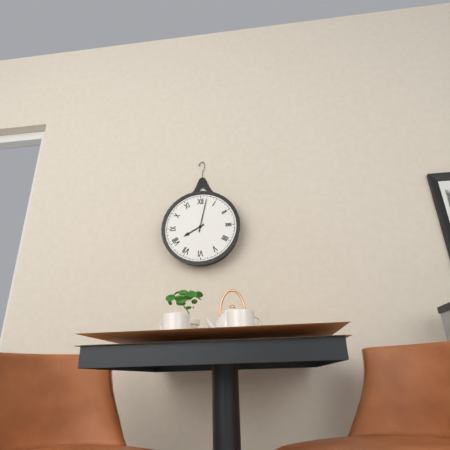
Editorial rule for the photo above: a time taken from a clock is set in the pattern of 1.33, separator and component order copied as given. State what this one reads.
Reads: 8.02
